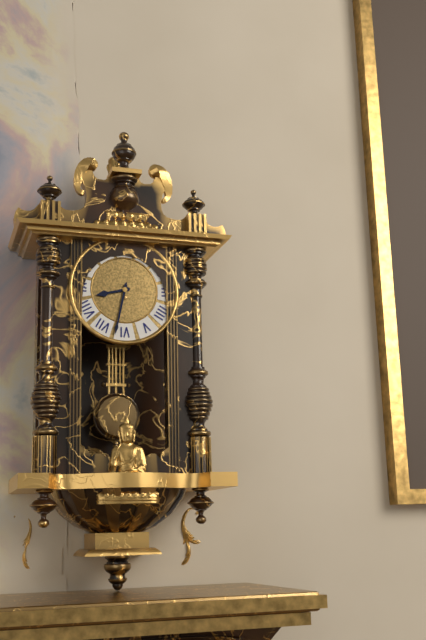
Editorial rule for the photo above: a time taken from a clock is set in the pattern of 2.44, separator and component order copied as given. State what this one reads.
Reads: 8.32
